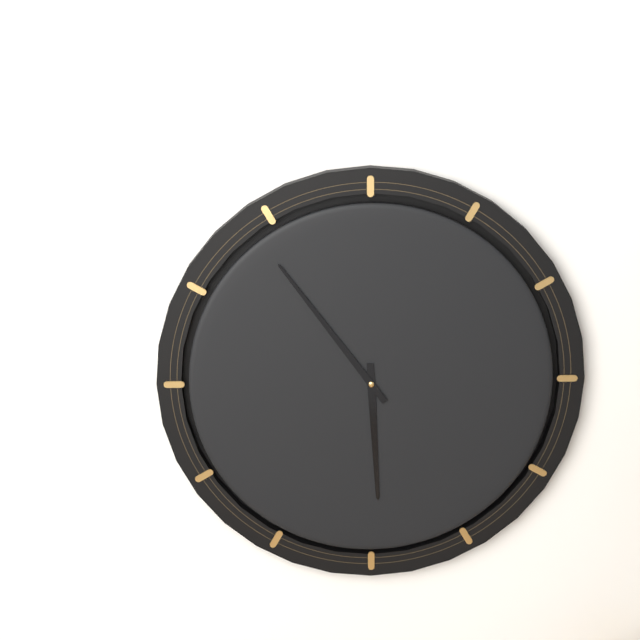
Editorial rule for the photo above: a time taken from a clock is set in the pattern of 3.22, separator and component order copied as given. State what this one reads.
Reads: 5.54
